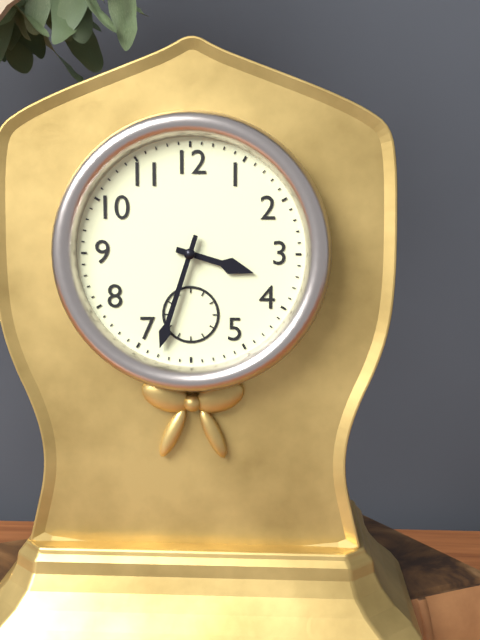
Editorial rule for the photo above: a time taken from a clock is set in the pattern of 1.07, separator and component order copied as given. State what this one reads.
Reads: 3.33
